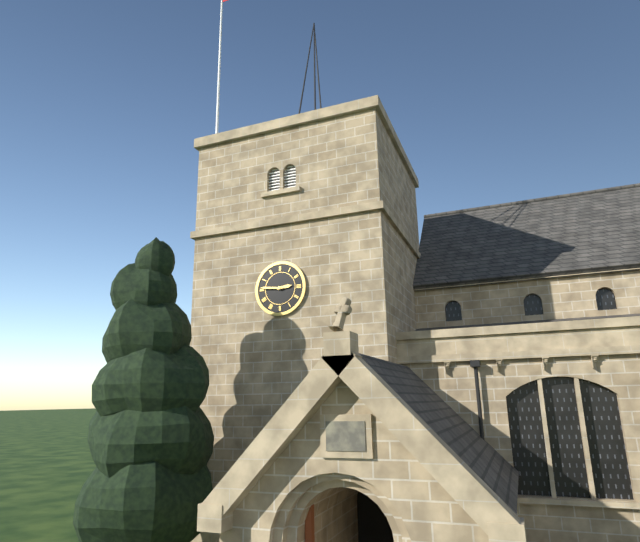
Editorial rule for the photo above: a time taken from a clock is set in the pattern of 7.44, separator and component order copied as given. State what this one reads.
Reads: 2.46
